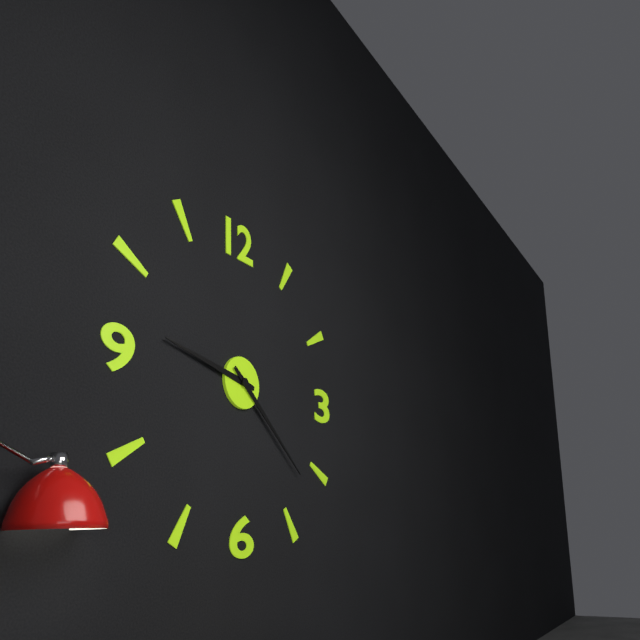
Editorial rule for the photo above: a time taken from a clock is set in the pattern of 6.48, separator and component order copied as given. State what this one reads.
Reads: 9.22
